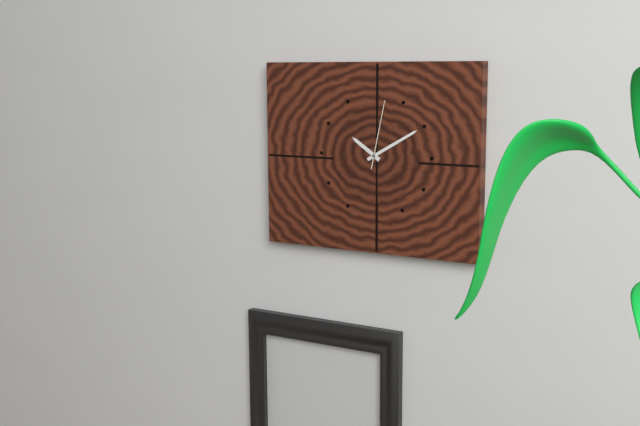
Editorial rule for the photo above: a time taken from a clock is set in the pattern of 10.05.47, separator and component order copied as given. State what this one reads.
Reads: 10.10.02
